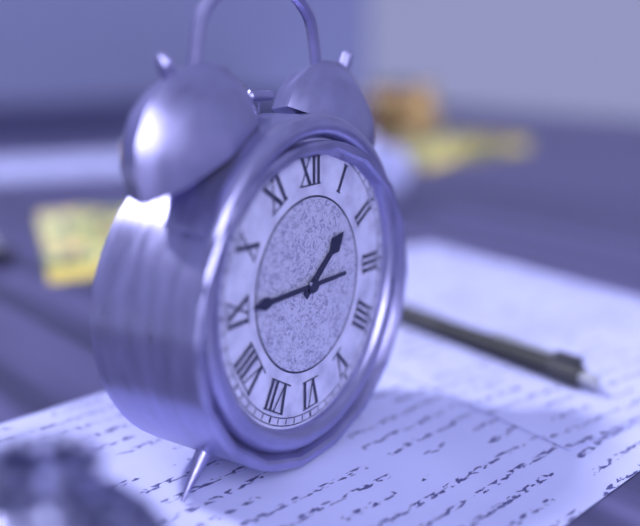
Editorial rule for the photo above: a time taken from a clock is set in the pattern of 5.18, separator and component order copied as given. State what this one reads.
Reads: 1.45
